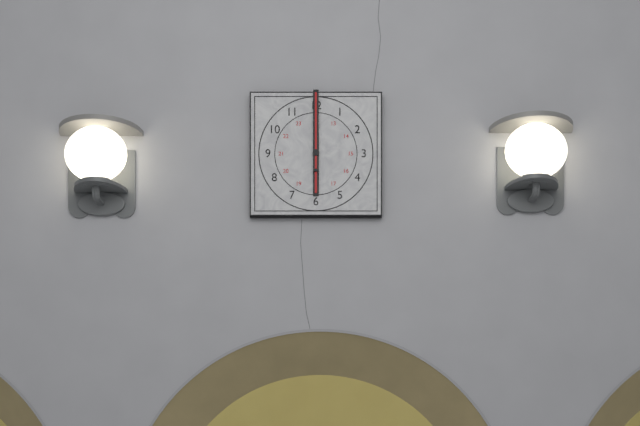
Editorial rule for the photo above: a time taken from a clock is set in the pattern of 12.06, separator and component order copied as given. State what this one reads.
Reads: 6.00
